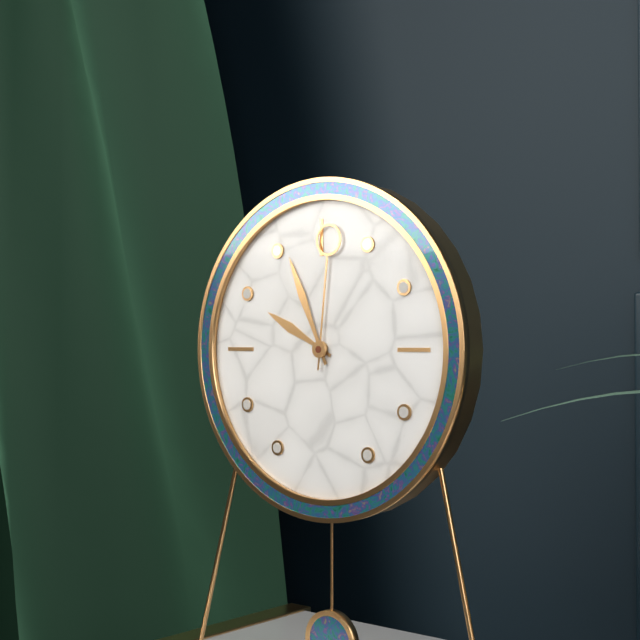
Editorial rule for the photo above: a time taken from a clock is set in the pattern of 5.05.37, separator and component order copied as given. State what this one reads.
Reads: 9.56.01
